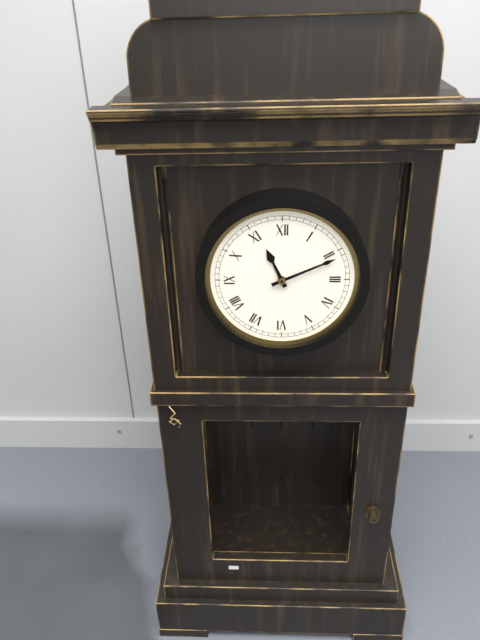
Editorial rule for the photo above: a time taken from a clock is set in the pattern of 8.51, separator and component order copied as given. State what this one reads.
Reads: 11.11
